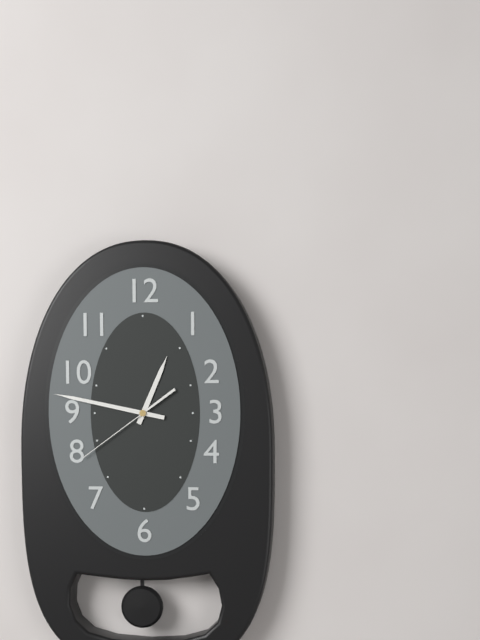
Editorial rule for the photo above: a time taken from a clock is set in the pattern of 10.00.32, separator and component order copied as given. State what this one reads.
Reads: 12.47.39
